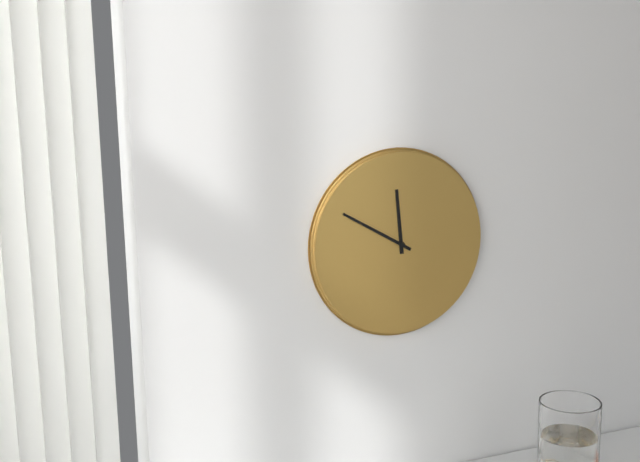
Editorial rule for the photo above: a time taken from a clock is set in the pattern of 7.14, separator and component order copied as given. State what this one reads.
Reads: 11.50
